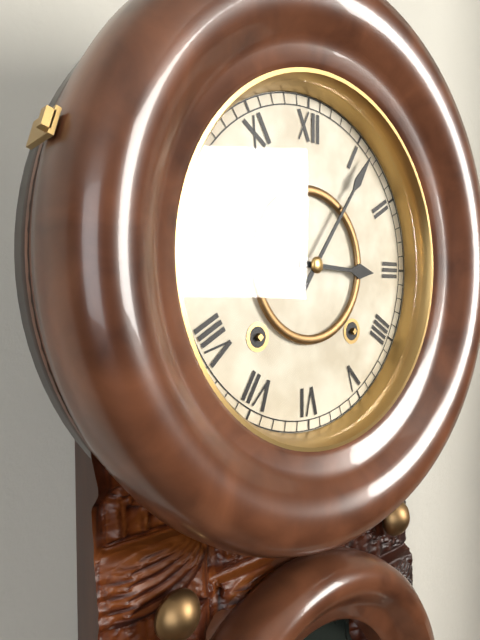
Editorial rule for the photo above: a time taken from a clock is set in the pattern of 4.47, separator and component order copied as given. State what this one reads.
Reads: 3.06
